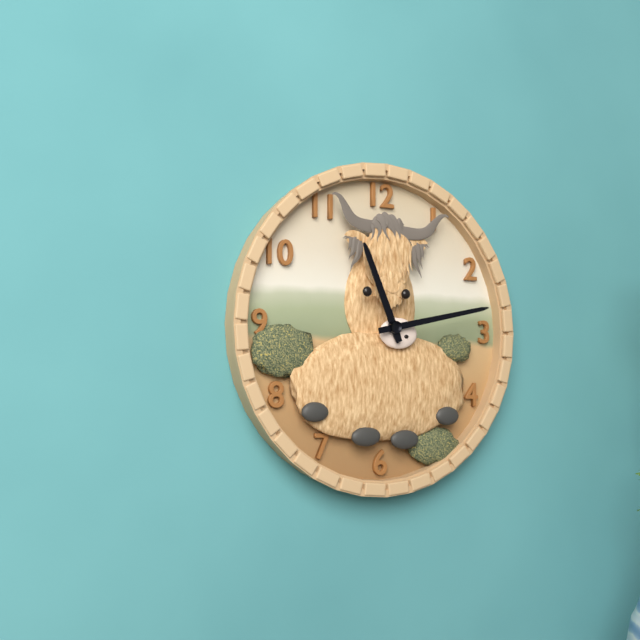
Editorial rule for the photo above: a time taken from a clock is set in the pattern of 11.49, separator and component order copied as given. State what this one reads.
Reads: 11.13
